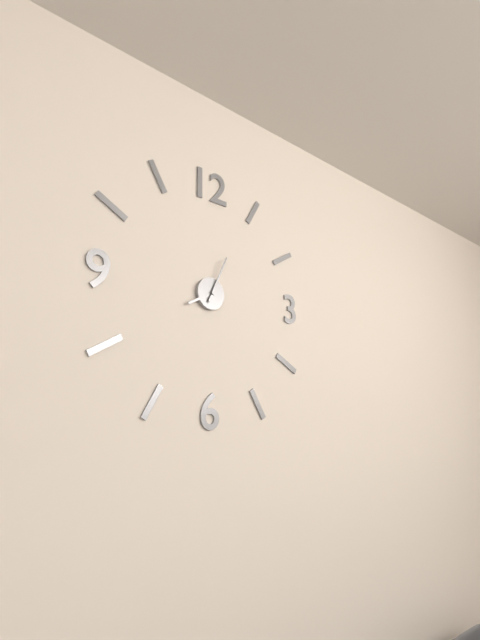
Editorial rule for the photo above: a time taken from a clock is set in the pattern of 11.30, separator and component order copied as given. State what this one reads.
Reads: 8.04
